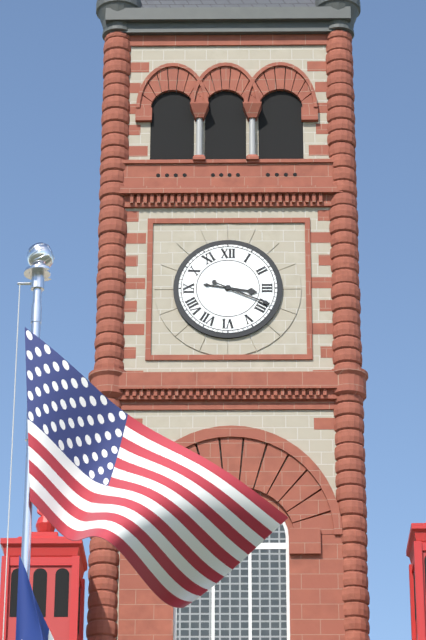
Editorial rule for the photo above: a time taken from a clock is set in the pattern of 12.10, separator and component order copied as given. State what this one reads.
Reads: 3.19
